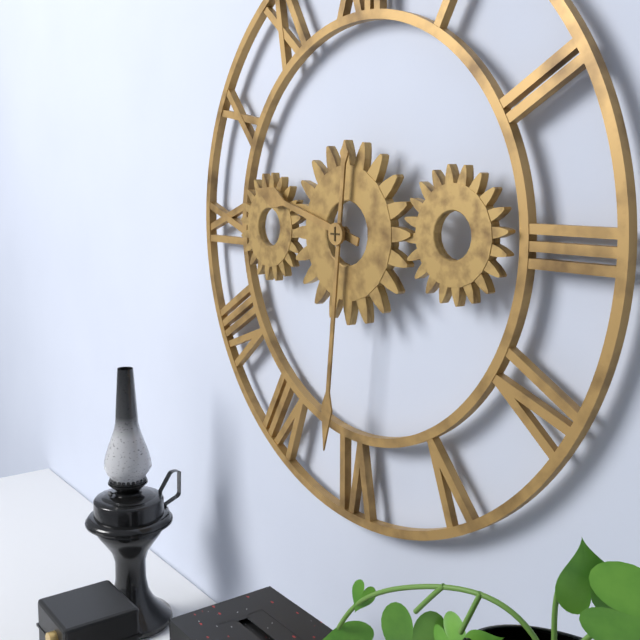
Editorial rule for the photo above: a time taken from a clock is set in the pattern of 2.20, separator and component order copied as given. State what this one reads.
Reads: 9.31
